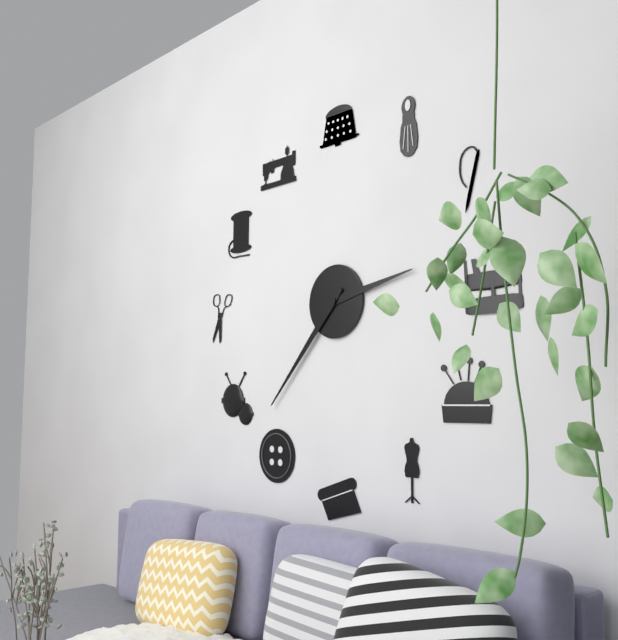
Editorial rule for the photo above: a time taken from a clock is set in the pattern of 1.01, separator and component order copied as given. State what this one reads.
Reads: 2.37
